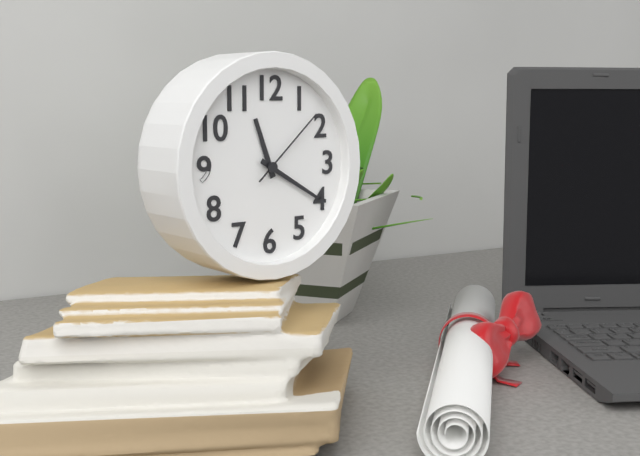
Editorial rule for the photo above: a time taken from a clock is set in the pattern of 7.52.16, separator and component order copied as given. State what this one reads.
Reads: 11.20.08
